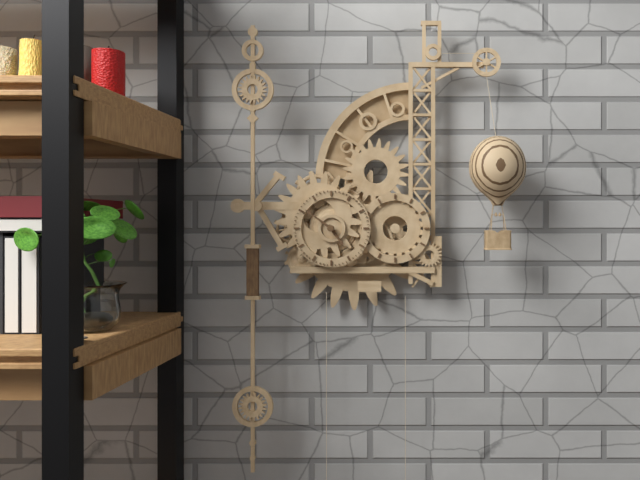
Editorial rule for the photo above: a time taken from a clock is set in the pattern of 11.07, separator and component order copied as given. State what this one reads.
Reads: 4.51
